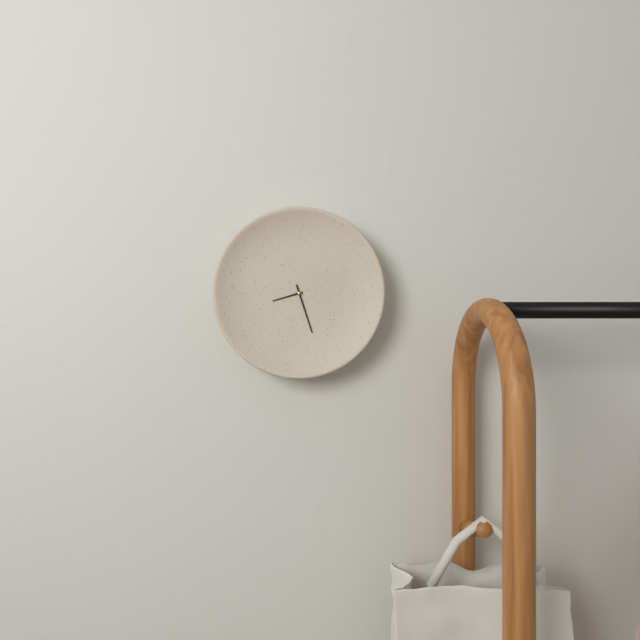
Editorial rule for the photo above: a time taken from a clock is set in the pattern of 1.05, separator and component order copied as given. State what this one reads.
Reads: 8.27
